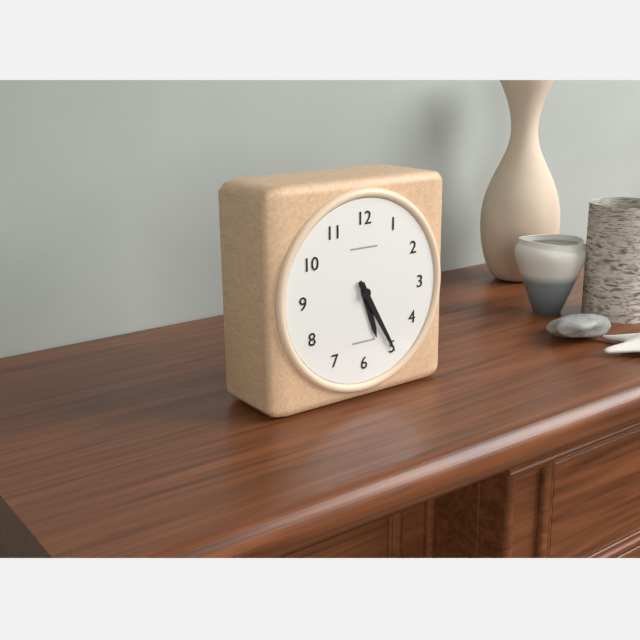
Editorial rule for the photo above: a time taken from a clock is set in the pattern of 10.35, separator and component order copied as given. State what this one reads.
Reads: 5.25
